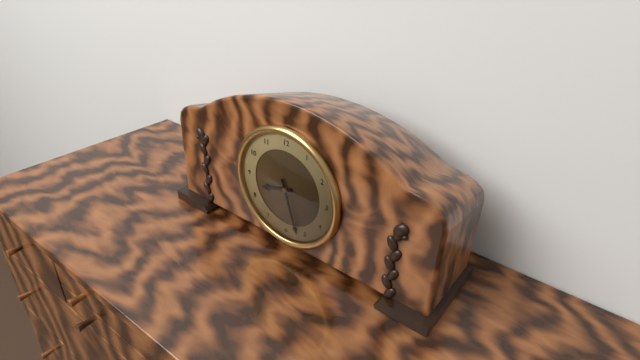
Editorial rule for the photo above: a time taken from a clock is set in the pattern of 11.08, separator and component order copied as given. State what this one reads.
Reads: 8.27
